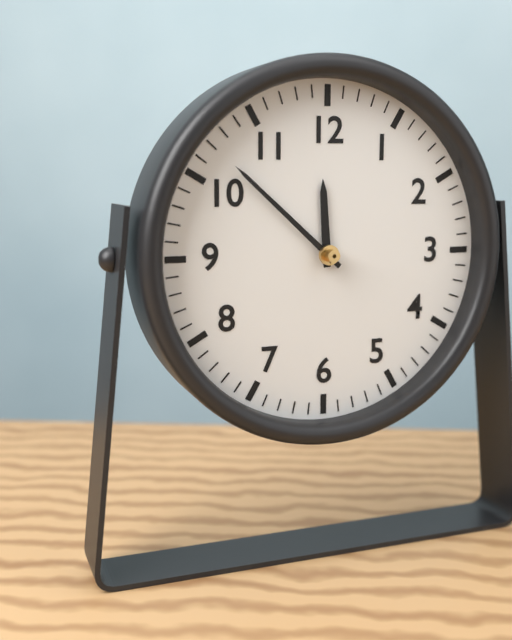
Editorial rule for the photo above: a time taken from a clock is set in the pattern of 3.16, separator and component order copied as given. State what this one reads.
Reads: 11.52
